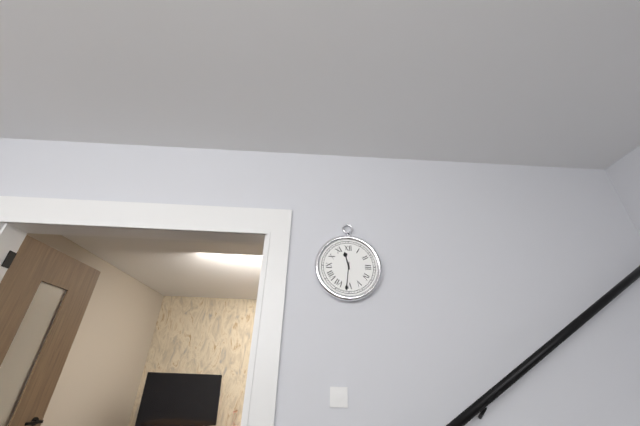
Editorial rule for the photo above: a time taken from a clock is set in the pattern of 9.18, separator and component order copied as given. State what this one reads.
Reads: 11.31
